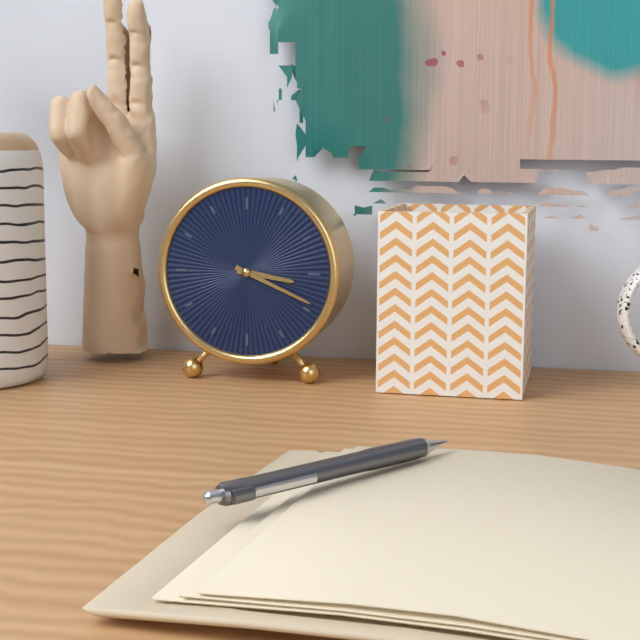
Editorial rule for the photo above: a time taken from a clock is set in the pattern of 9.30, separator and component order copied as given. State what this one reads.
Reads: 3.19
